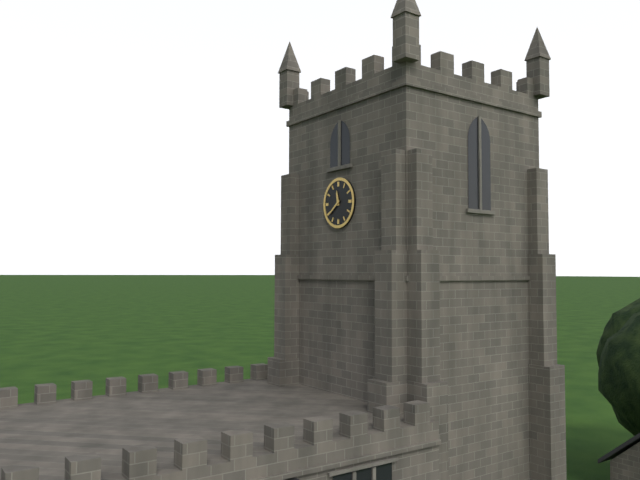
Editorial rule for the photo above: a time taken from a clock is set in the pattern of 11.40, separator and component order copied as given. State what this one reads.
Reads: 11.39
